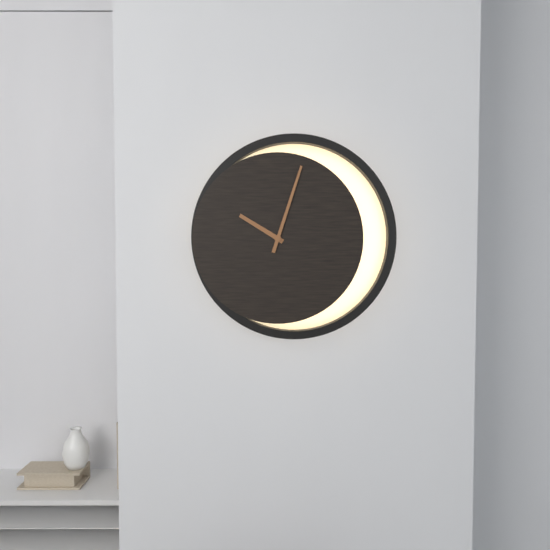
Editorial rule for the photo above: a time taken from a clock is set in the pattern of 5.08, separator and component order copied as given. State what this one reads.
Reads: 10.03
